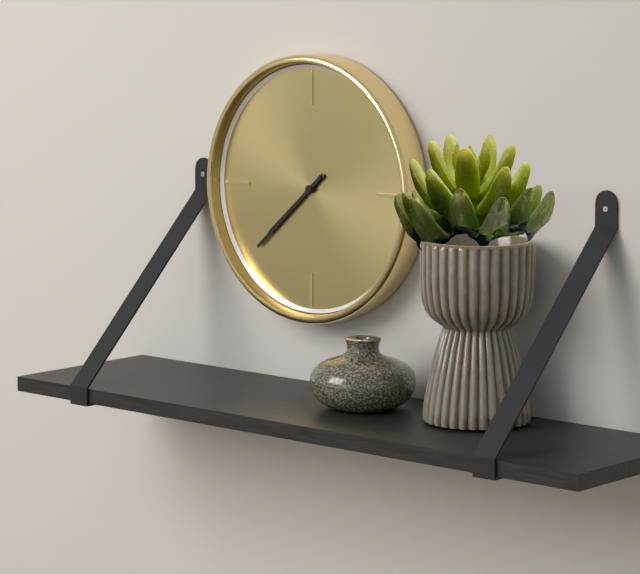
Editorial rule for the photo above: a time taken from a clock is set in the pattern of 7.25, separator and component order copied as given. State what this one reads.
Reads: 7.38
